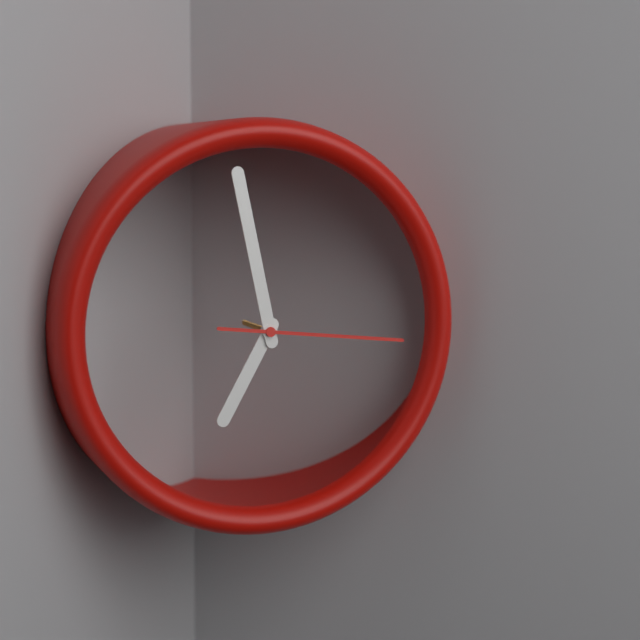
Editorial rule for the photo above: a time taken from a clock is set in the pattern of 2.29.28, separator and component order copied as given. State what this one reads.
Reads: 6.58.16
